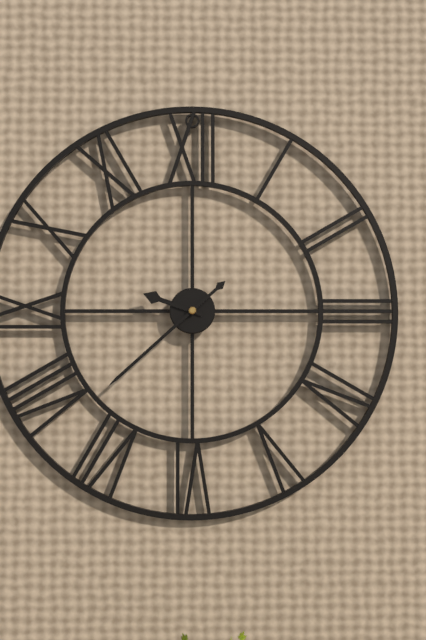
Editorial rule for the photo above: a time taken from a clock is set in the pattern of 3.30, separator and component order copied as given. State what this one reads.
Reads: 9.38
